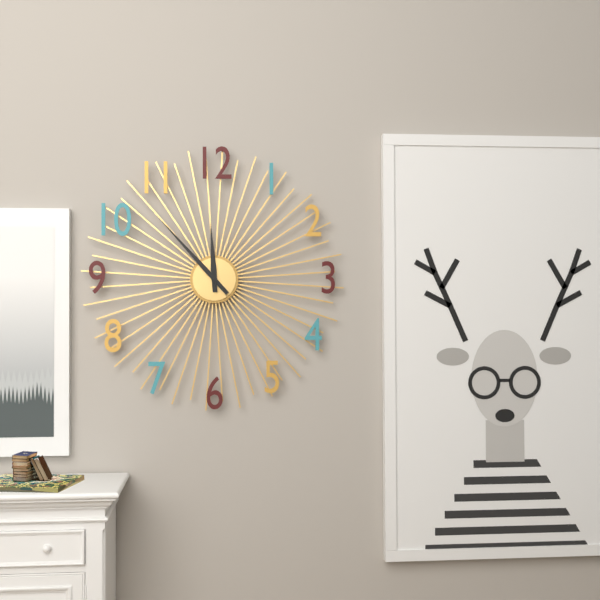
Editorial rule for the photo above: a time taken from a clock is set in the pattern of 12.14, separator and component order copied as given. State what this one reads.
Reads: 11.53
